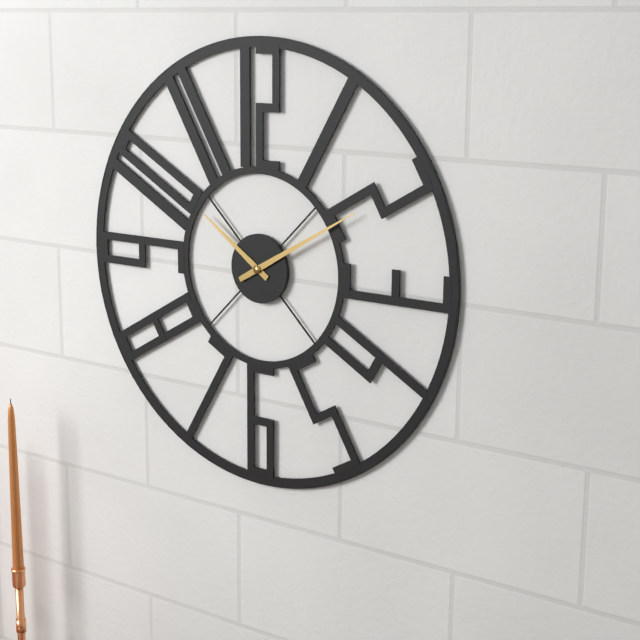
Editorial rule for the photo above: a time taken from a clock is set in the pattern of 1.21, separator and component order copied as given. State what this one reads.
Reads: 10.10
